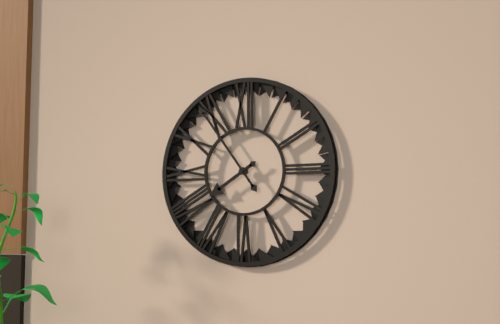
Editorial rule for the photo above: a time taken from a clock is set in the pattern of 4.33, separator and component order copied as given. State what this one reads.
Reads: 7.54
